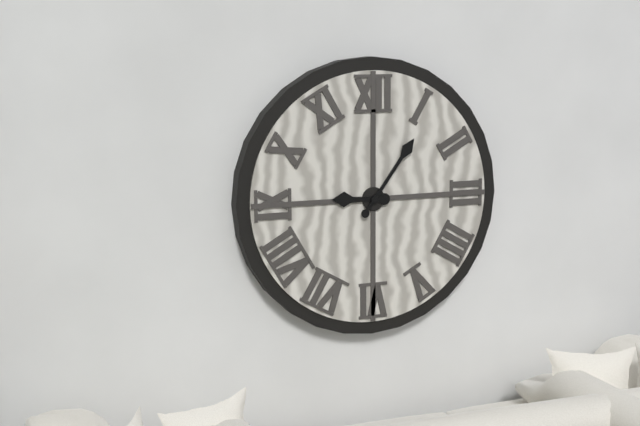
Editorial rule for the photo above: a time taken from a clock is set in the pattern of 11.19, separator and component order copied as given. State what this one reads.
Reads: 9.06
